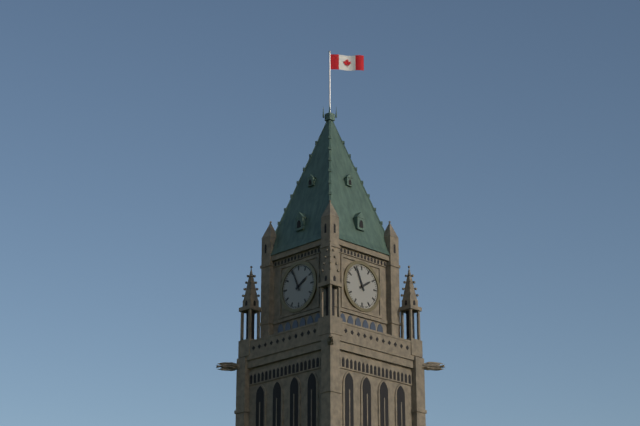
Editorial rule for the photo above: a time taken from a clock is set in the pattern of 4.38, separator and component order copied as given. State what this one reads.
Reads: 1.56
